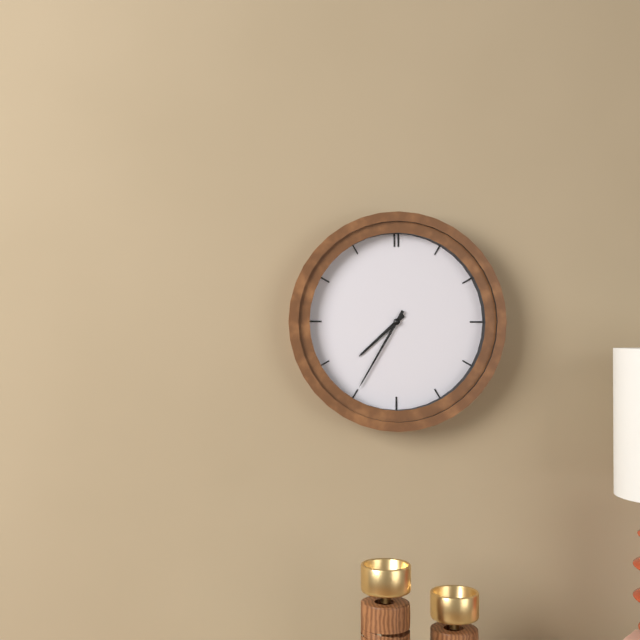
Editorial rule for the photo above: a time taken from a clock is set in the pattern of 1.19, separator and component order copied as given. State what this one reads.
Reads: 7.35
